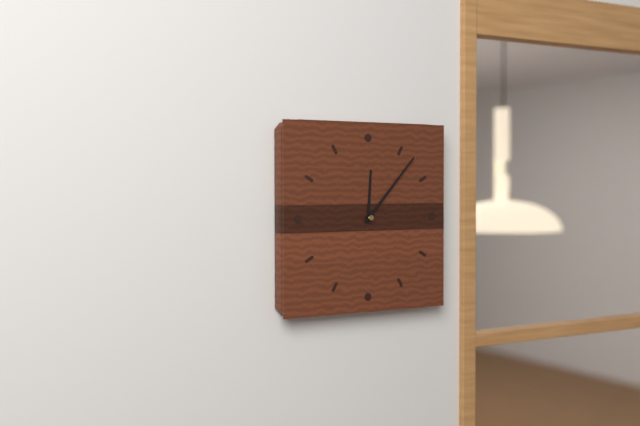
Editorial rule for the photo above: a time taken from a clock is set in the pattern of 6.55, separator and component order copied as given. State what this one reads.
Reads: 12.07
